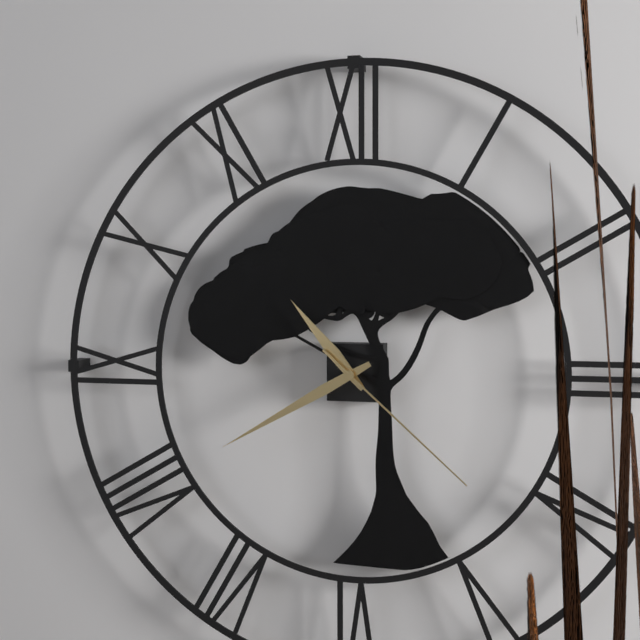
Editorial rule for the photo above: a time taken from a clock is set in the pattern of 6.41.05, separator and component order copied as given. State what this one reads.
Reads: 10.40.22
